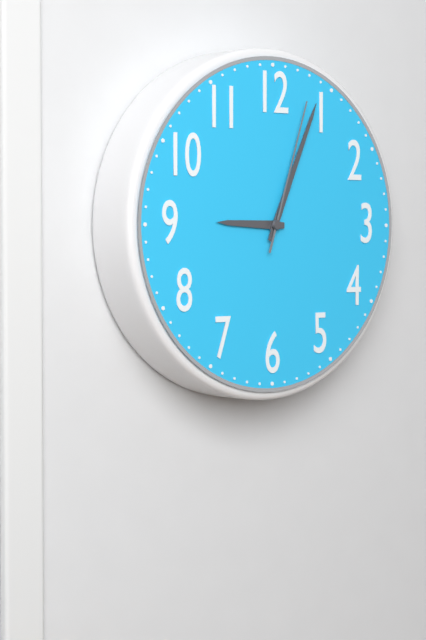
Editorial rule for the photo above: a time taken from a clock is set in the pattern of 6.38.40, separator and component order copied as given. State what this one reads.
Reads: 9.04.03
